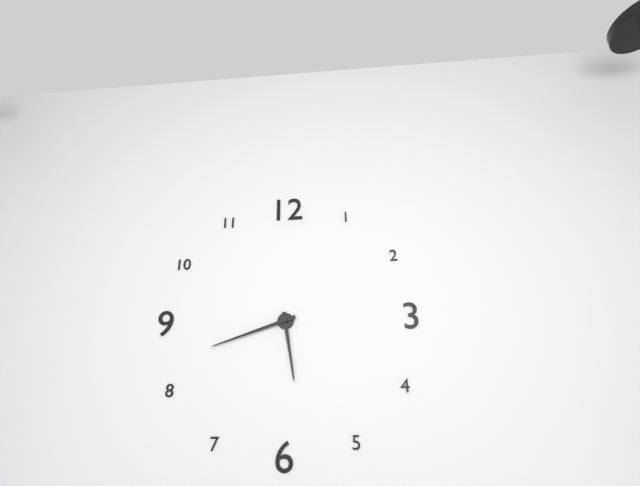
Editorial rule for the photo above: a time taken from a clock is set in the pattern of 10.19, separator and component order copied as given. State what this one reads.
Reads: 5.42
